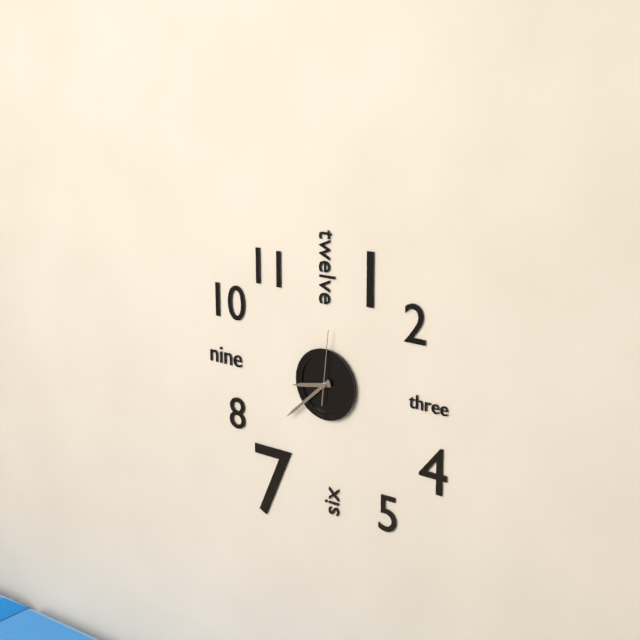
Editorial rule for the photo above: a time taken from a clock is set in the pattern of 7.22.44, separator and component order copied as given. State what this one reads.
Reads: 8.38.01
